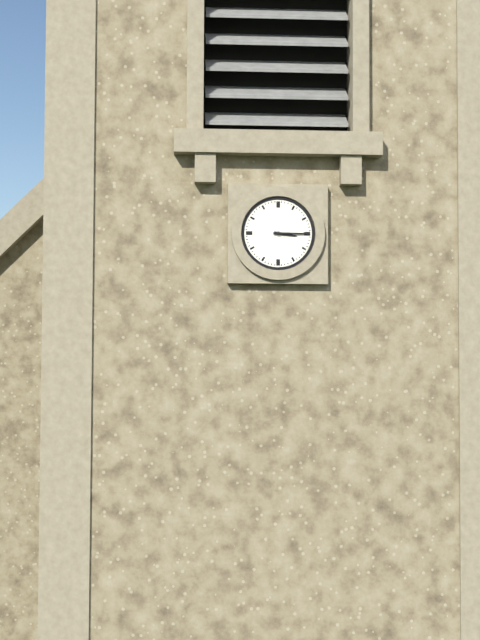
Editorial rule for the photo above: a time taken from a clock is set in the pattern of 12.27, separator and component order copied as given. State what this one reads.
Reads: 3.15
